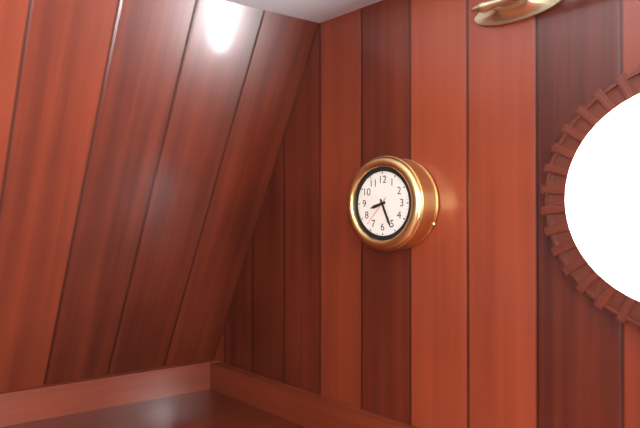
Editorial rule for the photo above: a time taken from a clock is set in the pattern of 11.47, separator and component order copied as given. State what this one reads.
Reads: 8.26
